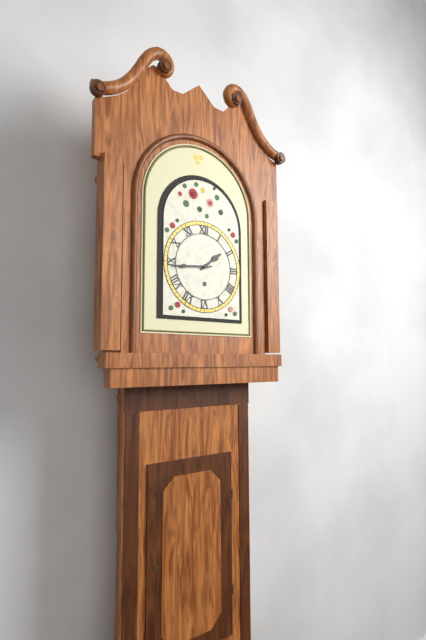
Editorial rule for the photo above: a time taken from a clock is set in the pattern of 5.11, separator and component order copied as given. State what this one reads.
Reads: 1.44
